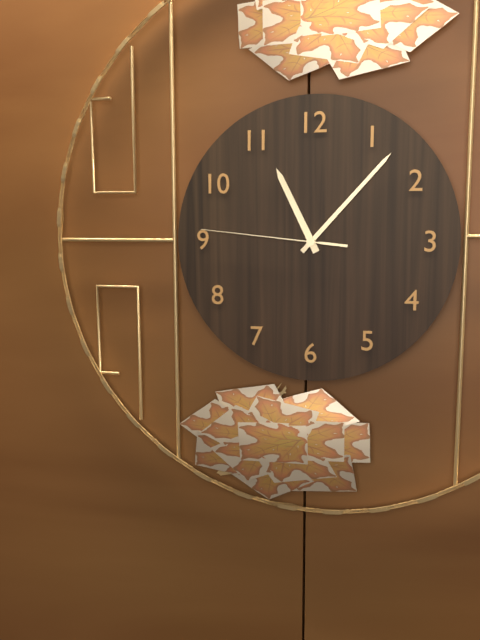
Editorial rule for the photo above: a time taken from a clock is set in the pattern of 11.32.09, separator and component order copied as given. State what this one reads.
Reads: 11.07.46
